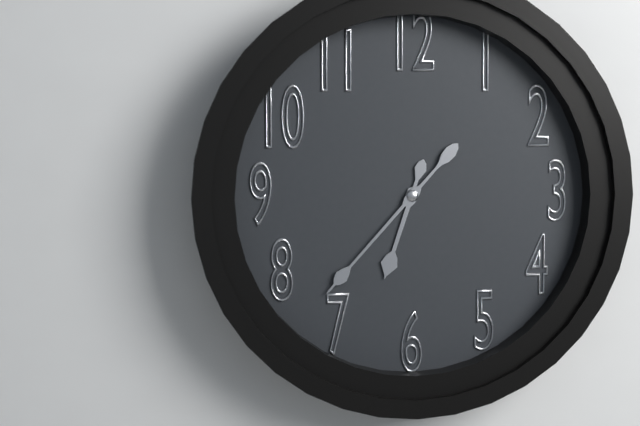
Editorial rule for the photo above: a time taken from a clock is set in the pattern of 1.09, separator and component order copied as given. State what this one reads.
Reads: 6.37
